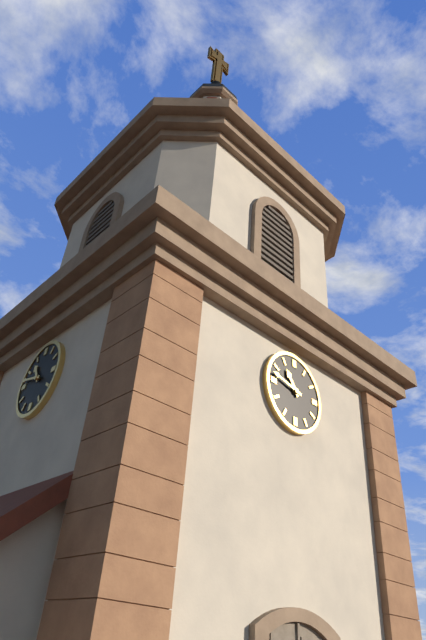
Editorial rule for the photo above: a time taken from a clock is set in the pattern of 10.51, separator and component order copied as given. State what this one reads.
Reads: 10.47
